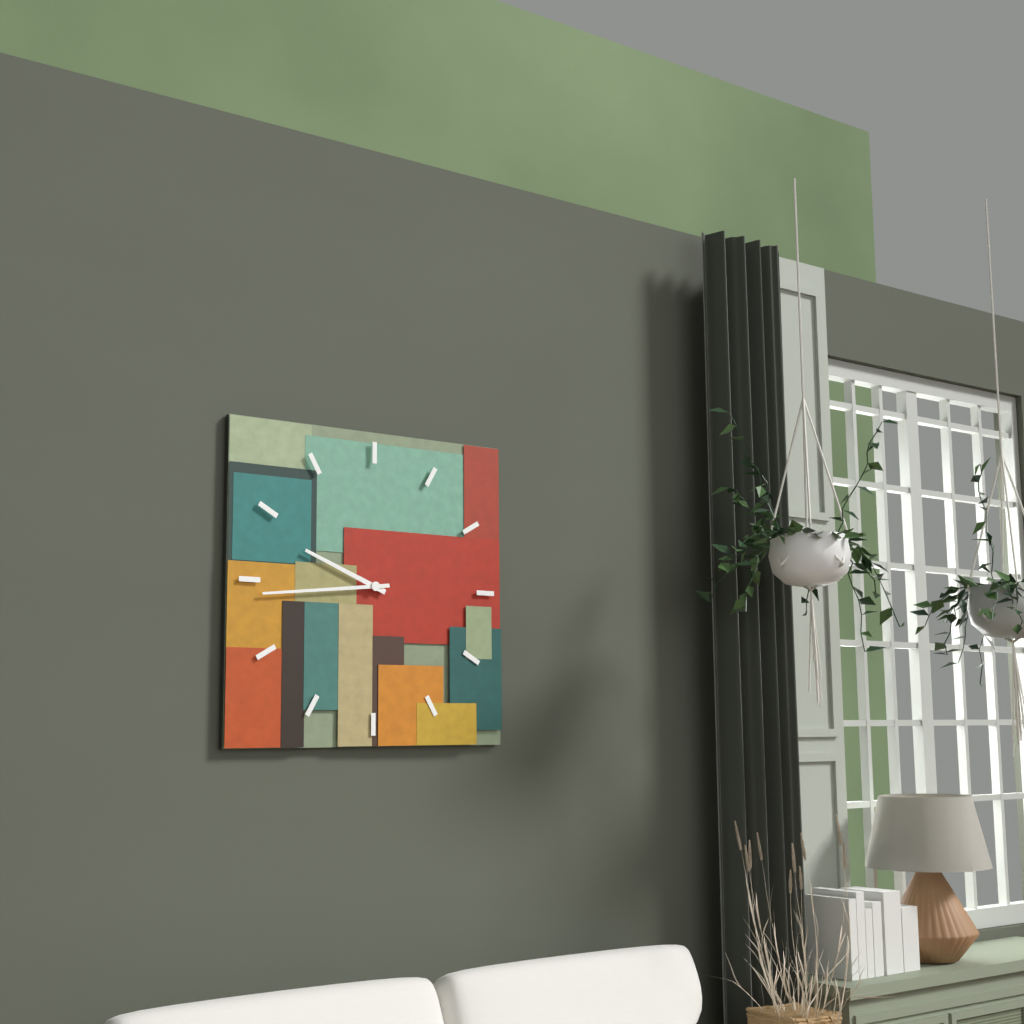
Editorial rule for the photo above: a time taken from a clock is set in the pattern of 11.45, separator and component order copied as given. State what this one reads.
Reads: 9.44
